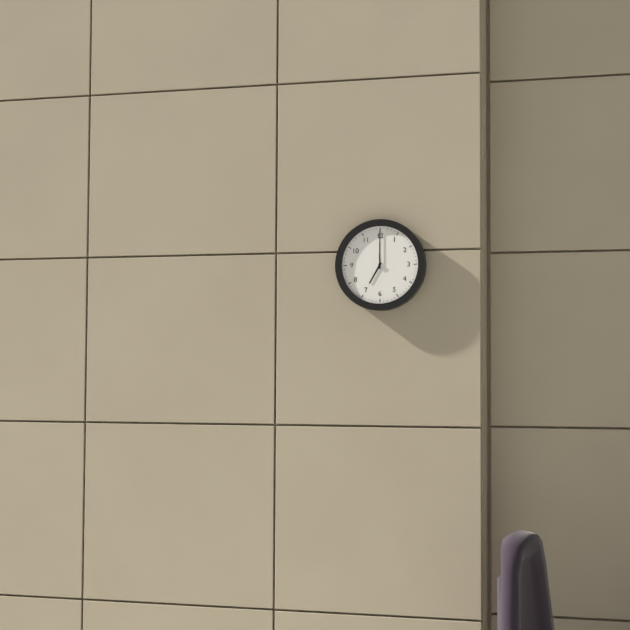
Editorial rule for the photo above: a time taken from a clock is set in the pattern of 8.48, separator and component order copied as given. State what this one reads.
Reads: 7.00
